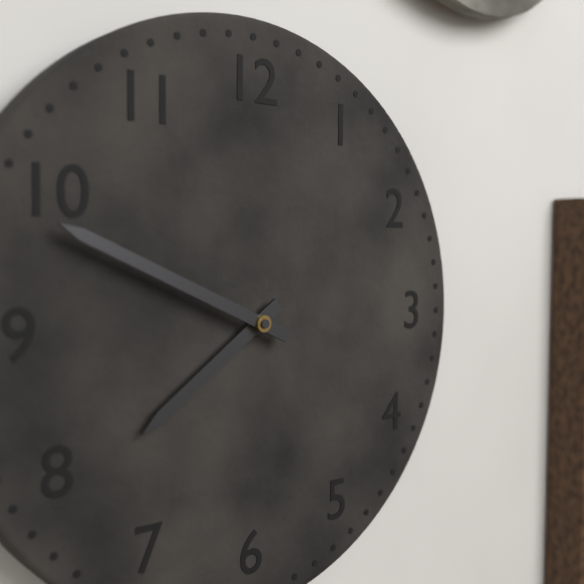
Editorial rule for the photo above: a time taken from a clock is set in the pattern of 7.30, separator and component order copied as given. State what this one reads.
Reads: 7.49
